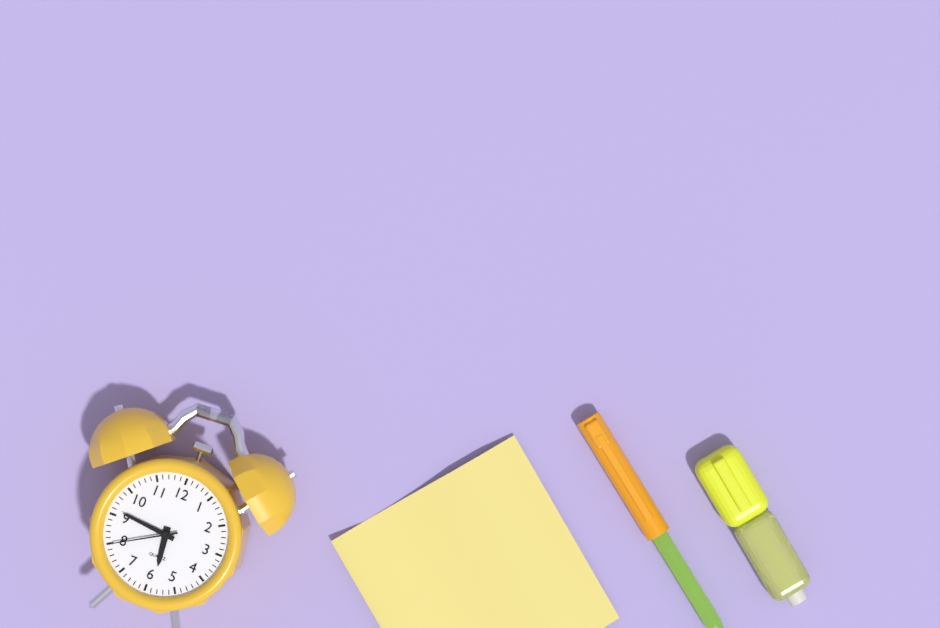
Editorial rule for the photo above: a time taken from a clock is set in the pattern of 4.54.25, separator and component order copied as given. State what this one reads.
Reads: 5.46.40
